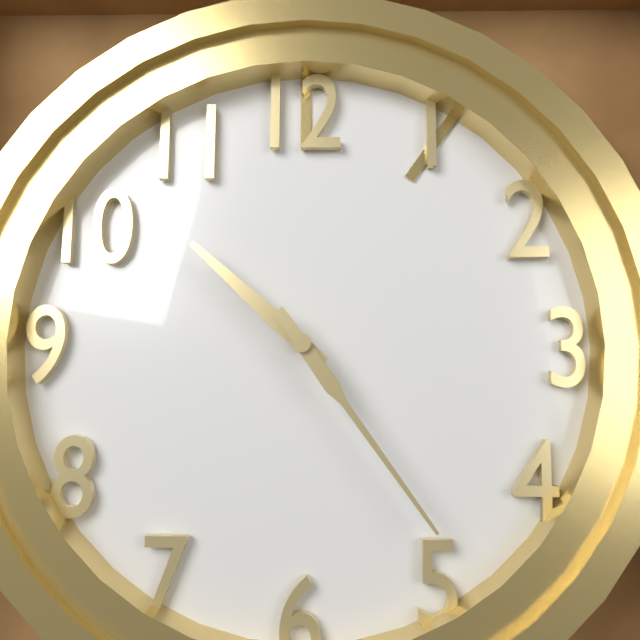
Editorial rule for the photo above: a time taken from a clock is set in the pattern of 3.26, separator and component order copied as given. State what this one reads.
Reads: 10.24
